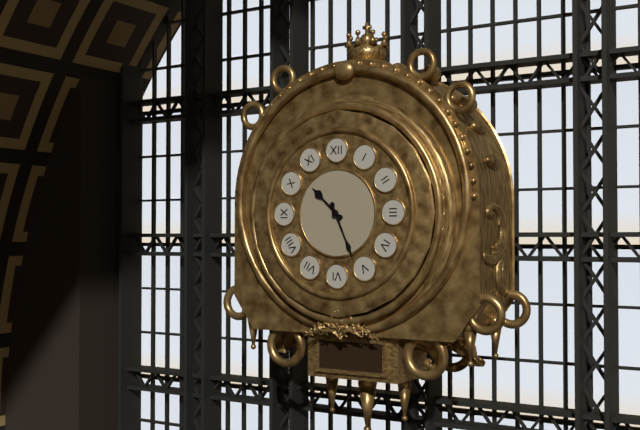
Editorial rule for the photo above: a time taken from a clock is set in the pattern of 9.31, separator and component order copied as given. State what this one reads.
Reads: 10.26
